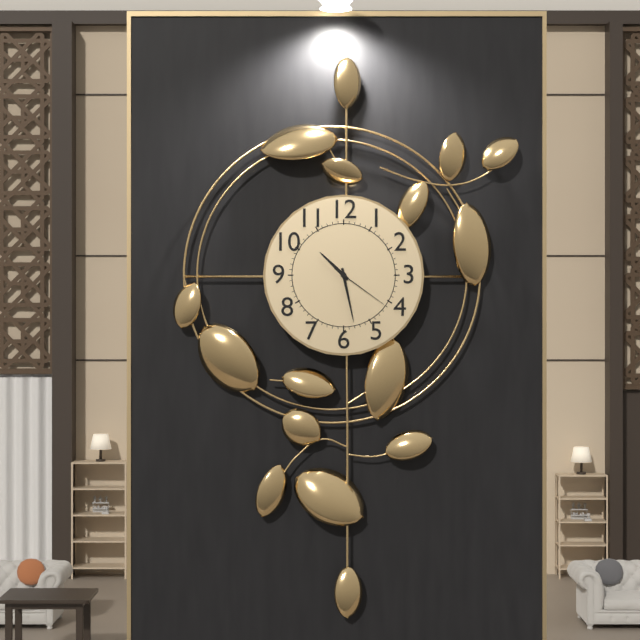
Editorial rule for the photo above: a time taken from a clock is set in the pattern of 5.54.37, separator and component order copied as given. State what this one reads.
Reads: 10.28.21
